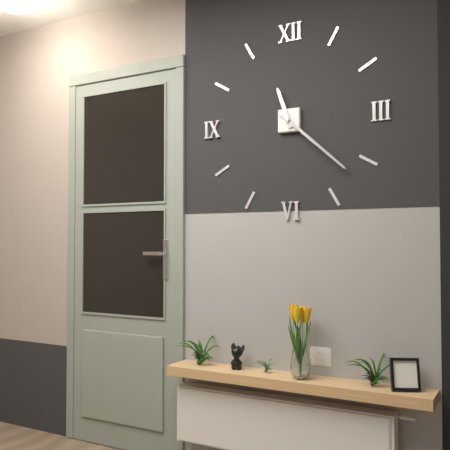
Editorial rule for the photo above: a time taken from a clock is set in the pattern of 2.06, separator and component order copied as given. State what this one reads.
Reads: 11.22
